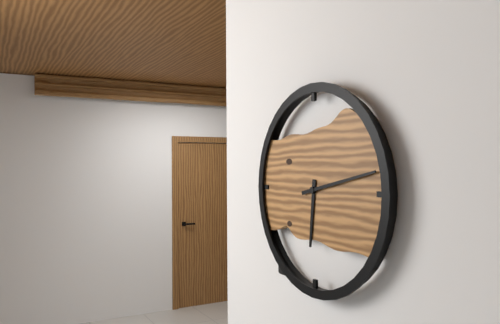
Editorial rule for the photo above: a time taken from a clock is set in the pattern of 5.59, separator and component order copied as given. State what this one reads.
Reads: 6.13
